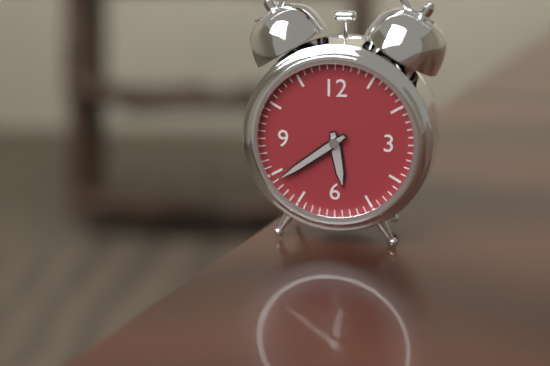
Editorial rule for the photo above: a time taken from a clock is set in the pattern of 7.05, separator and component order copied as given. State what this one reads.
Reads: 5.39
